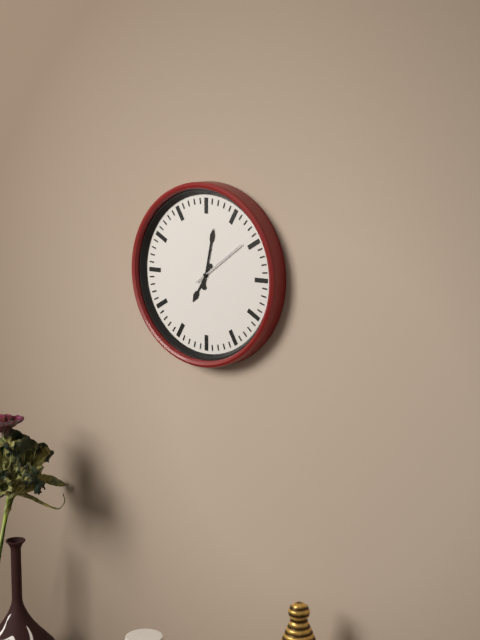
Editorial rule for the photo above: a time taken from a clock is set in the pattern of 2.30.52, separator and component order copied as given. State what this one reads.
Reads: 7.02.09
